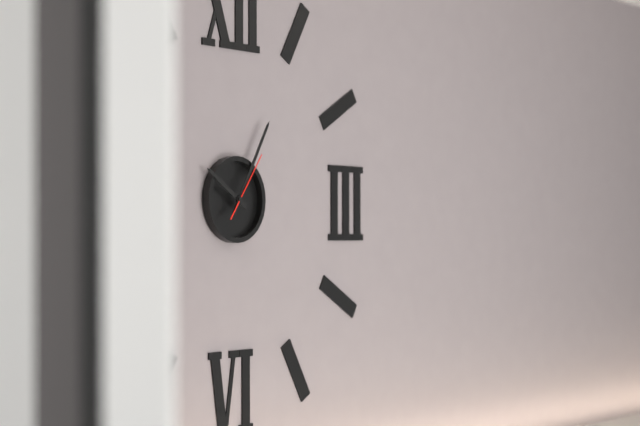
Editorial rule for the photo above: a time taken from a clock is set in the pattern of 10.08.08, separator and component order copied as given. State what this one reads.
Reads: 10.05.06
